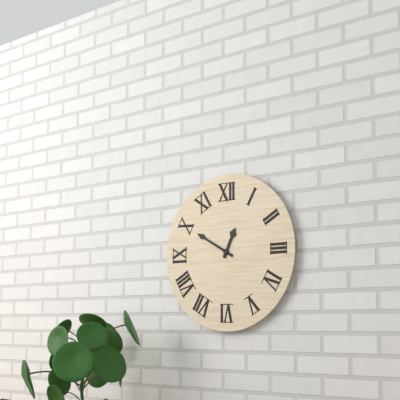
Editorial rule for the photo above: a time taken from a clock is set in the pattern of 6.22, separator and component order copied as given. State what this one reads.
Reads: 12.50
